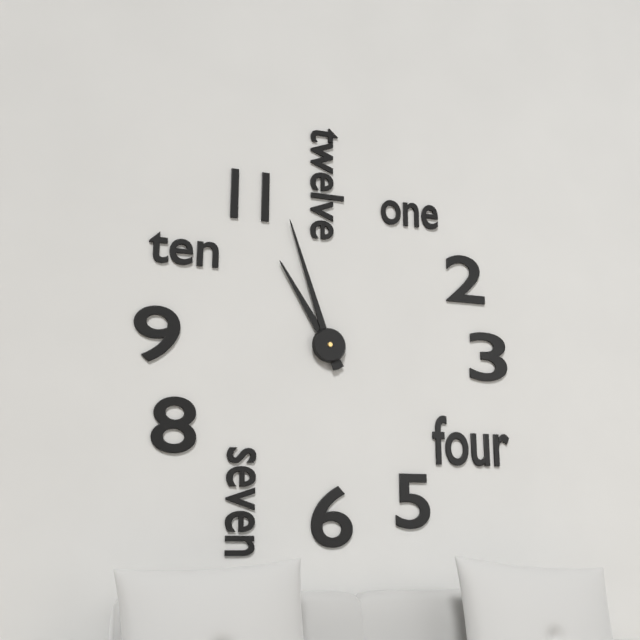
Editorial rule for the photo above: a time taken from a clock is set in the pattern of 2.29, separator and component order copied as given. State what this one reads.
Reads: 10.57
